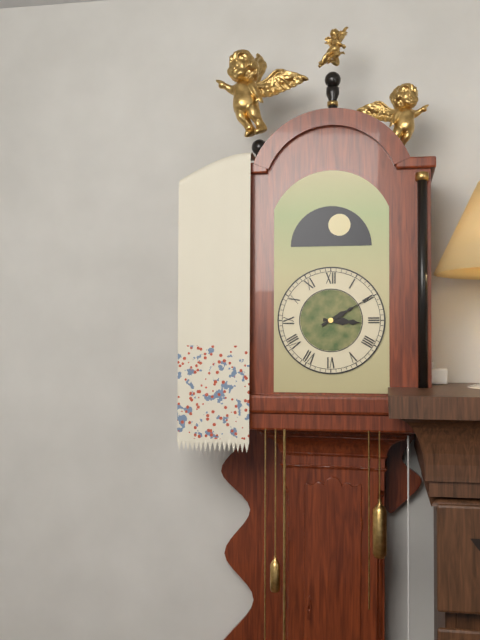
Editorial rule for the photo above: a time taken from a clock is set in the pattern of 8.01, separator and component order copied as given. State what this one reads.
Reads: 3.10
